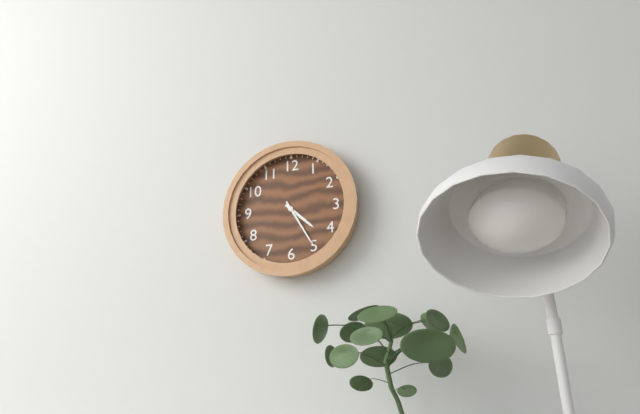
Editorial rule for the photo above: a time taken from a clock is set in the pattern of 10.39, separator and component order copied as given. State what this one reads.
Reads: 4.25
